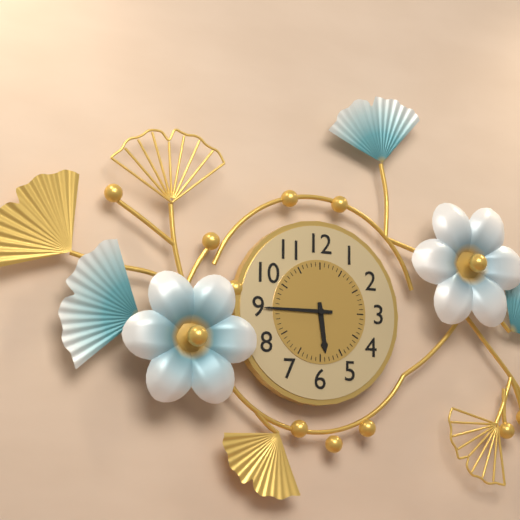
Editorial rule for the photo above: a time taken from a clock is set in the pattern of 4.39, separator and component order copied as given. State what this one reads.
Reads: 5.45
